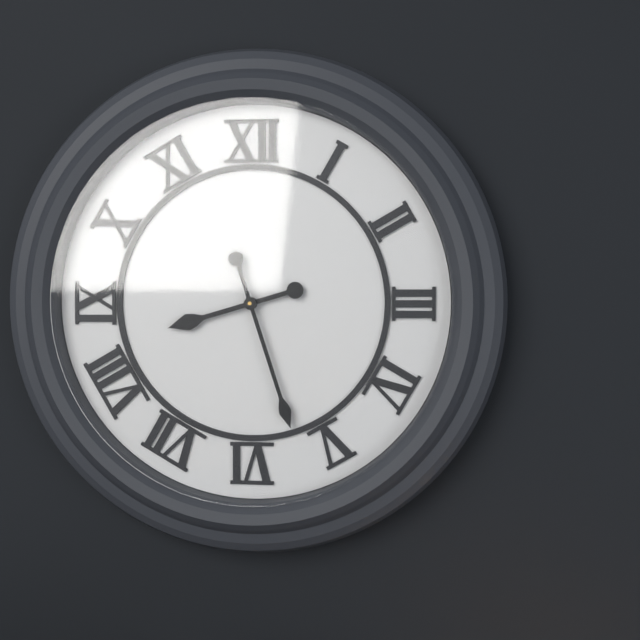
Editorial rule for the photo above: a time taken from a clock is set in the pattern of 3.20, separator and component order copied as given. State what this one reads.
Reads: 8.27
